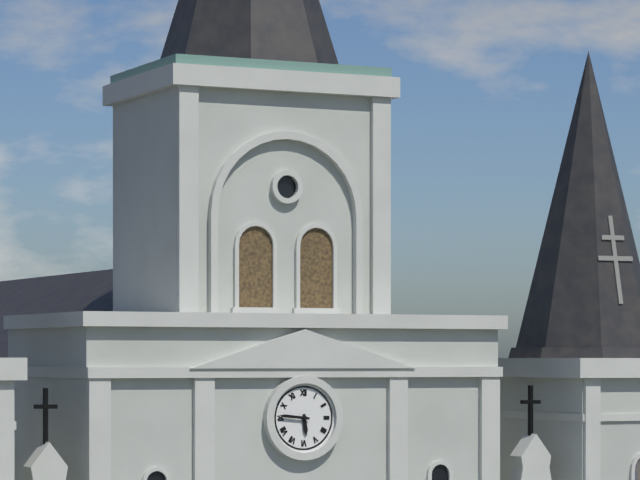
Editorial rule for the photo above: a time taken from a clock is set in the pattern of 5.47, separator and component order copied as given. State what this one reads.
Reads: 5.46
